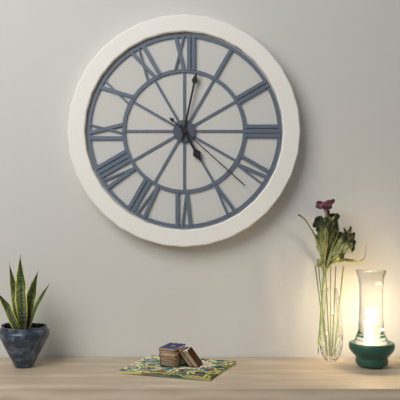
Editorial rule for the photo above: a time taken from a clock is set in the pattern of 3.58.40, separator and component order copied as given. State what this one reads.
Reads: 5.02.22
